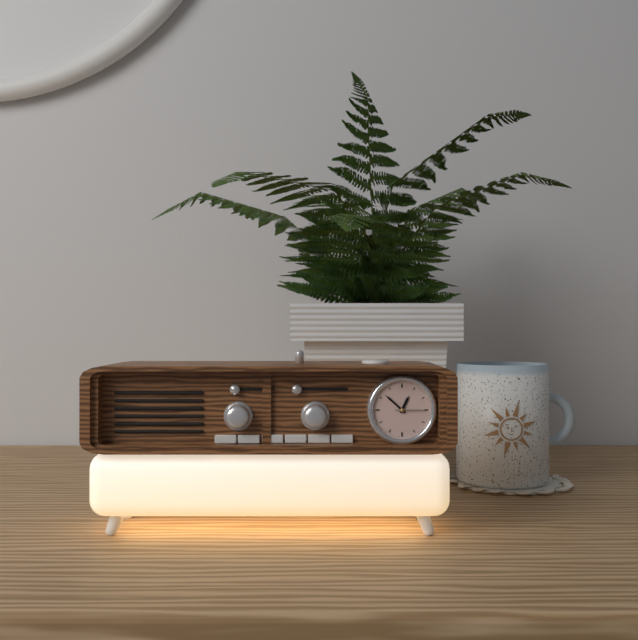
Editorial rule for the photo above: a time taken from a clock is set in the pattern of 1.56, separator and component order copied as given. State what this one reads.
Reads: 12.52
